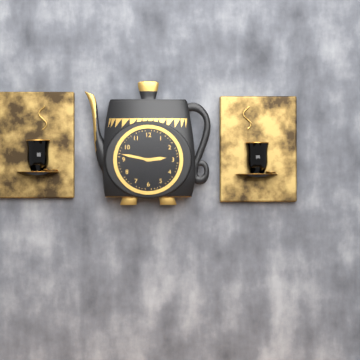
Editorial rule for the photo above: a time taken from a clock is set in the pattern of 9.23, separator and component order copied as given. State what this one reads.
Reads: 2.47
